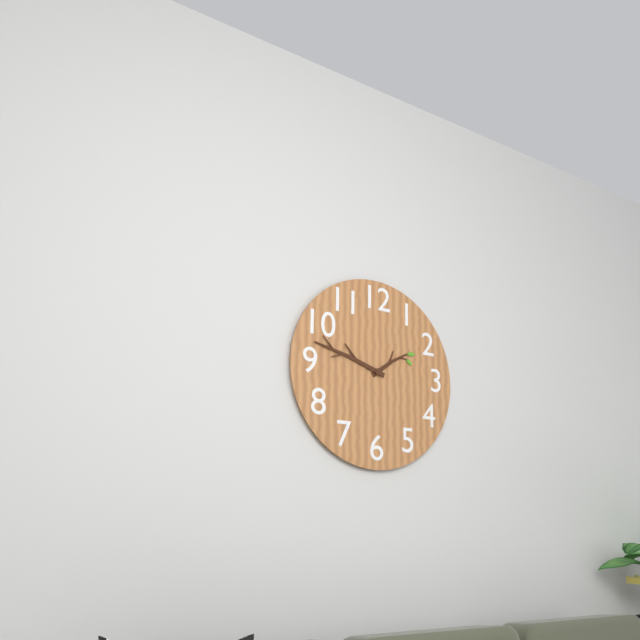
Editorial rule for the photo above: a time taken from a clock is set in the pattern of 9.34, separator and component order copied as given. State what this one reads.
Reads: 1.48
